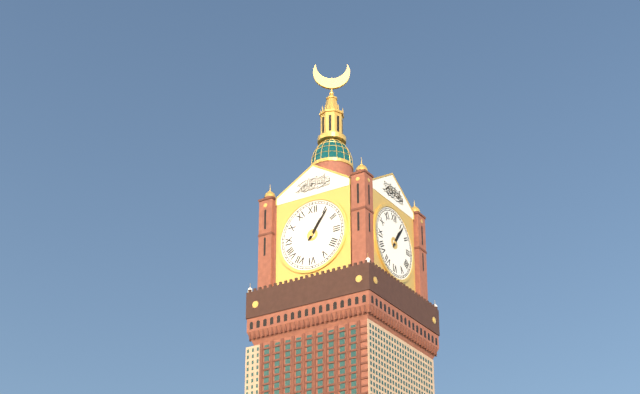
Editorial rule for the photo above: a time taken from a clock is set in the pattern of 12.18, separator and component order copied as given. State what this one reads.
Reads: 1.06
